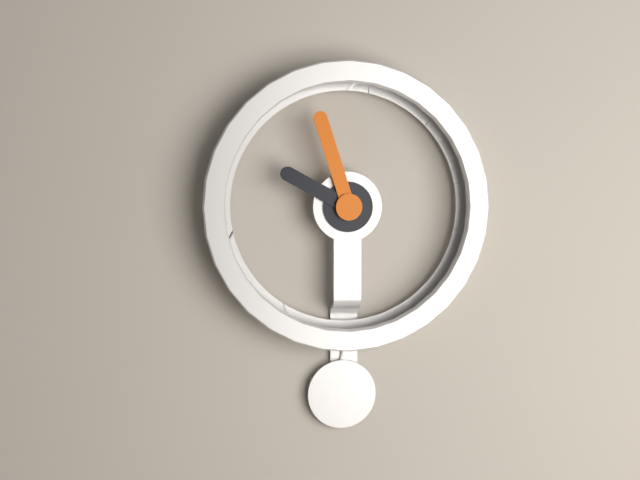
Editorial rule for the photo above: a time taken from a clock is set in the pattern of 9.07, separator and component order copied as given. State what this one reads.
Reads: 9.57
